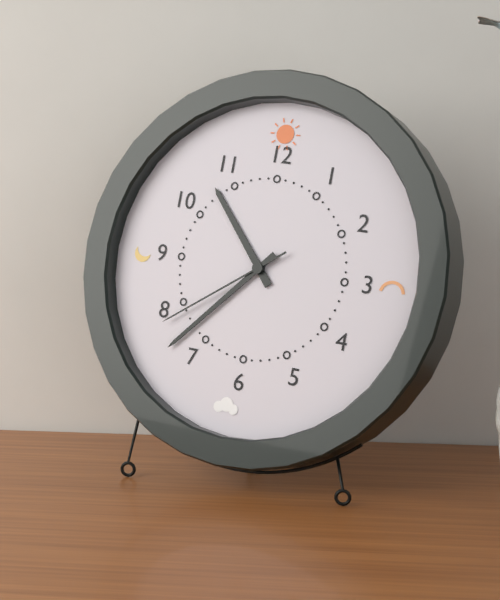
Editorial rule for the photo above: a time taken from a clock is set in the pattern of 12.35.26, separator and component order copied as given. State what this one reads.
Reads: 10.37.39
